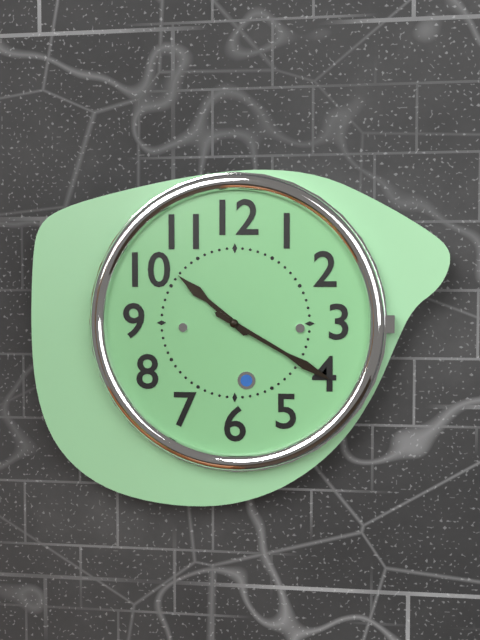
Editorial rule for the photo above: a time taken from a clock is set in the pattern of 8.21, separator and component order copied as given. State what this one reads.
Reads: 10.20
